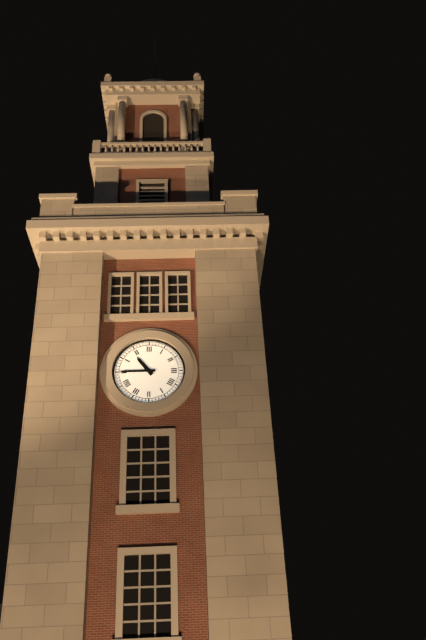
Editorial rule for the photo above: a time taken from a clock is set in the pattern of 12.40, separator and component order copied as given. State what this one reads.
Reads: 10.45
